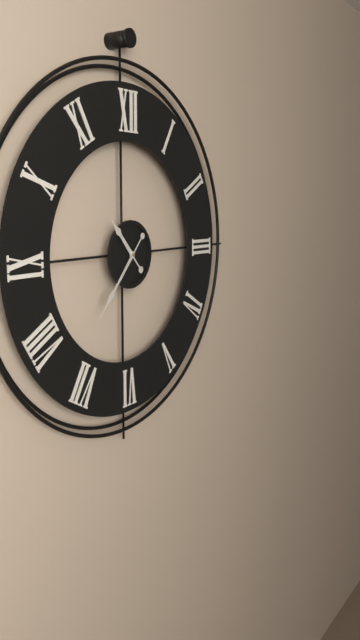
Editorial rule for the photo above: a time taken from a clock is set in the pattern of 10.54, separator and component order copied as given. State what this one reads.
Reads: 10.37
